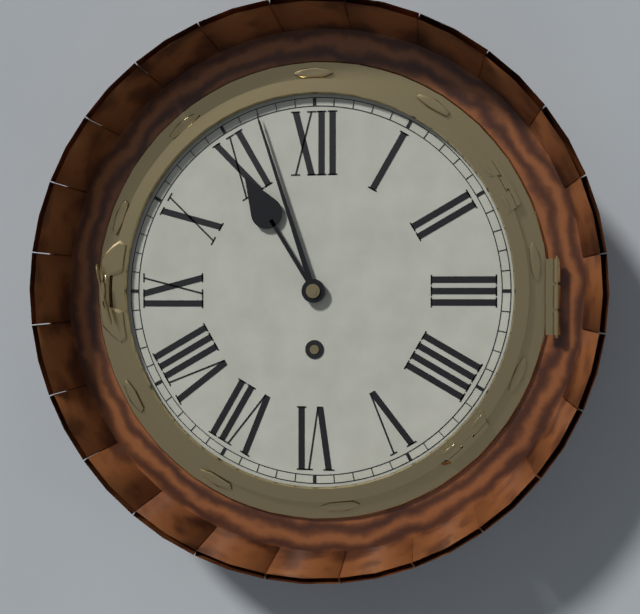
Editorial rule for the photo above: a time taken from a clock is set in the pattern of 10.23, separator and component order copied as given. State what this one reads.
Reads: 10.57
